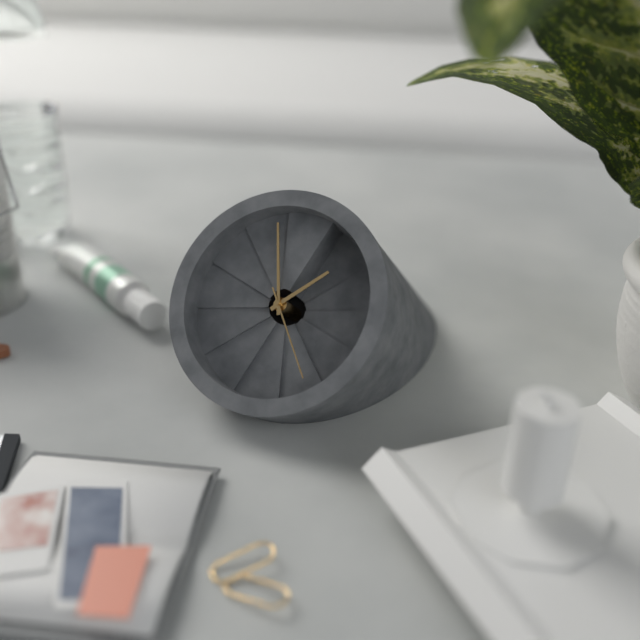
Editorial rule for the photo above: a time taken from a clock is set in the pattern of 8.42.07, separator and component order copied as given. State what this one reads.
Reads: 12.54.21
